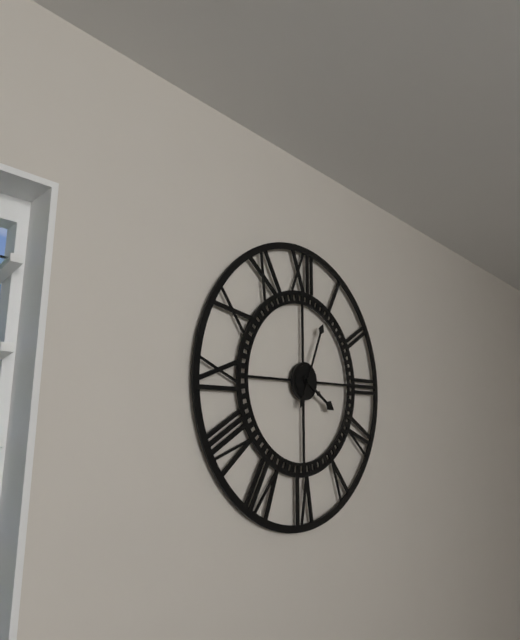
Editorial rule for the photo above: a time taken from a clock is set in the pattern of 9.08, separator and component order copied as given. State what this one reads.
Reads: 4.04
